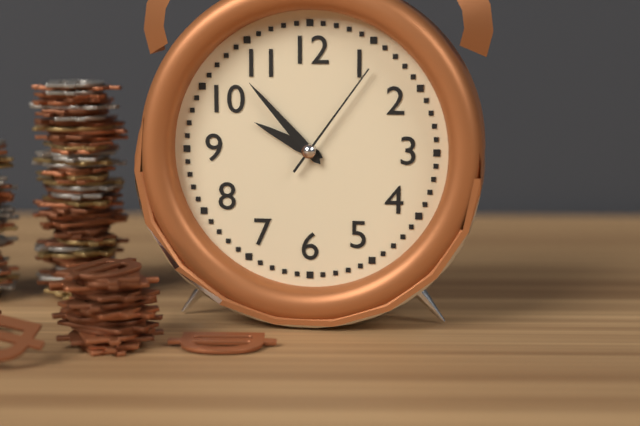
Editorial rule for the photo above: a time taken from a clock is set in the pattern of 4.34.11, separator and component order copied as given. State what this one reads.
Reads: 9.53.06
